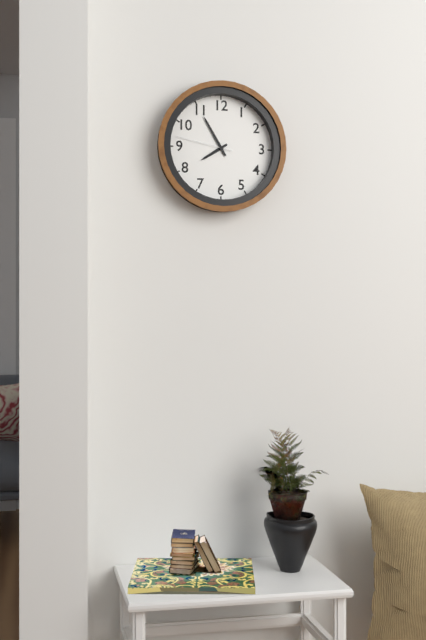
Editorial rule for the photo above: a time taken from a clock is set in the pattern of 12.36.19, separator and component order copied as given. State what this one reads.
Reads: 7.55.47
